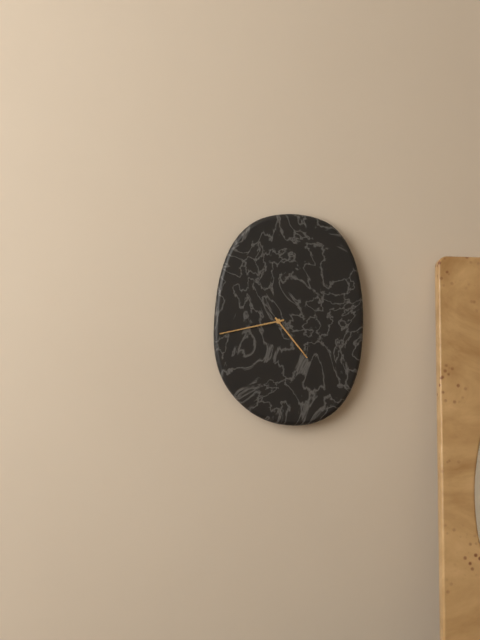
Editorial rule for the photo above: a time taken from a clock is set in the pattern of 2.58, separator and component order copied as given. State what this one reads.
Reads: 4.43
